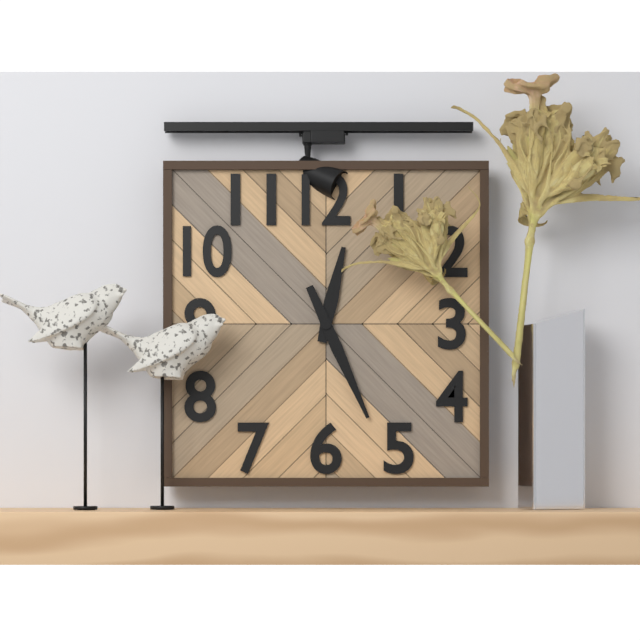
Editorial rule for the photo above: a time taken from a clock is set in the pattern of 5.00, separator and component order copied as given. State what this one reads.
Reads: 12.26
